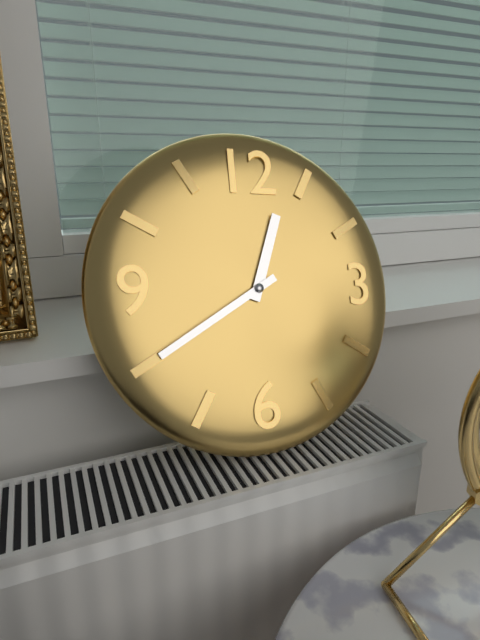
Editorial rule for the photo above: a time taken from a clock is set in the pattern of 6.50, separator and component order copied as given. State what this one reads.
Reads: 12.40
